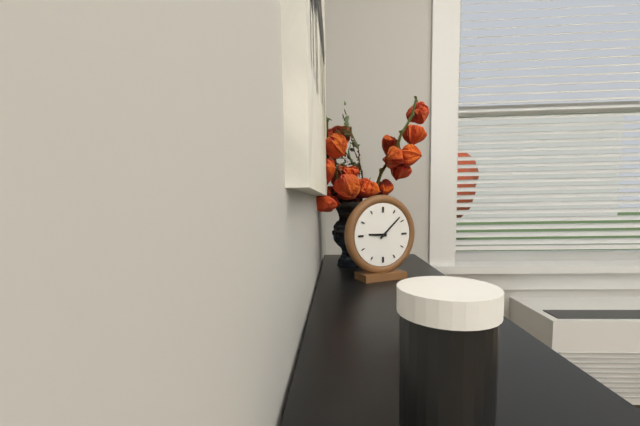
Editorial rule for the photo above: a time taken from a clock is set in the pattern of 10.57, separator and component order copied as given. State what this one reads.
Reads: 9.08
